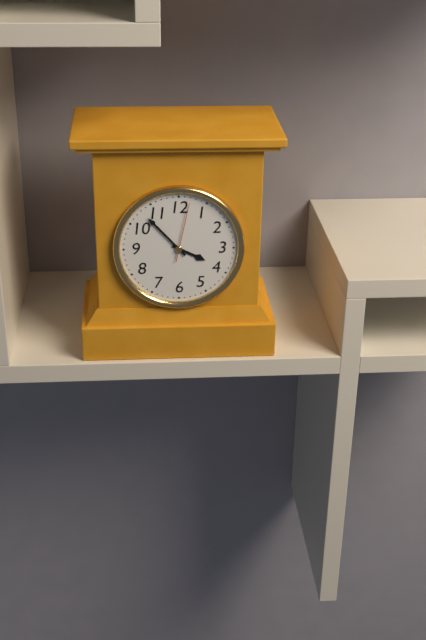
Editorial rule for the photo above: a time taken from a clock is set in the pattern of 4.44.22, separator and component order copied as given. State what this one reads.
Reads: 3.53.02
